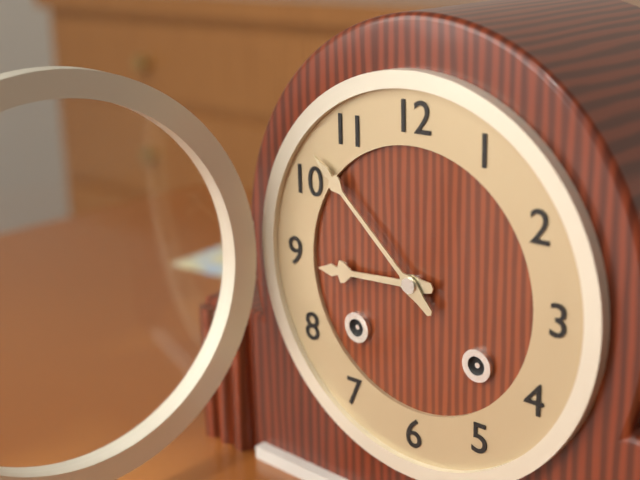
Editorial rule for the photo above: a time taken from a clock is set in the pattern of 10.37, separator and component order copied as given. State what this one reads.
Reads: 8.52
